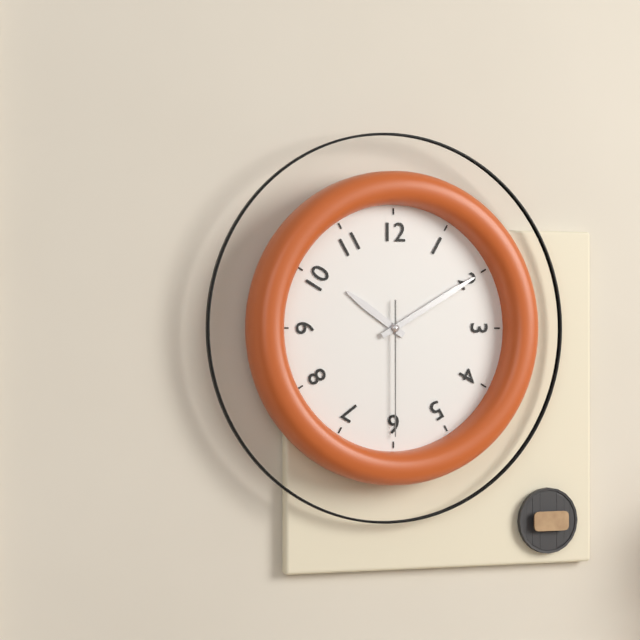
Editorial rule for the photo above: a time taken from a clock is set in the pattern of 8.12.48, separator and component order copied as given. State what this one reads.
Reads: 10.10.30
